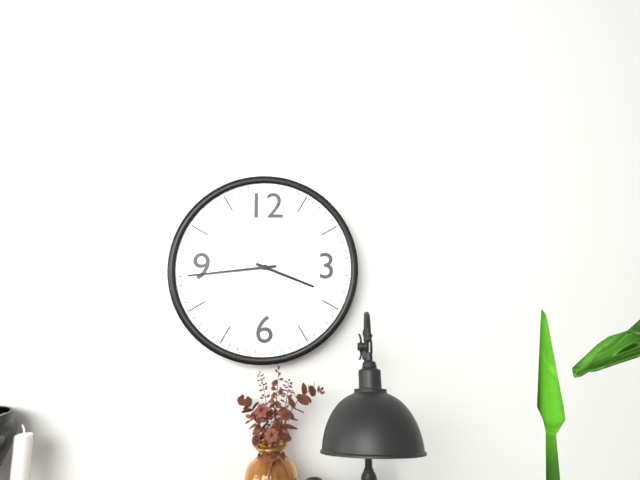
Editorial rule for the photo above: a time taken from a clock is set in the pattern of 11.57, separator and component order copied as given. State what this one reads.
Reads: 3.44
